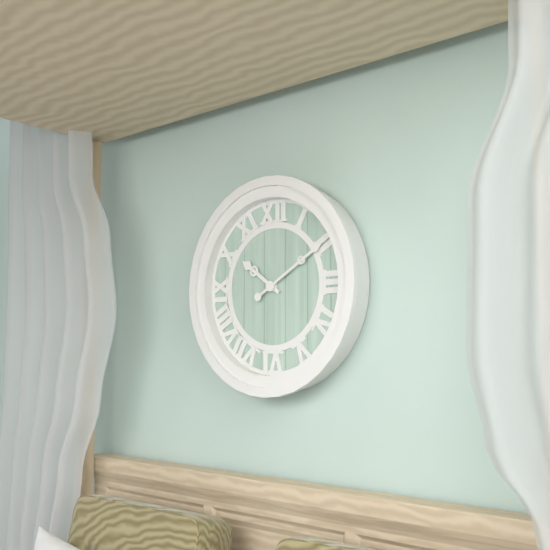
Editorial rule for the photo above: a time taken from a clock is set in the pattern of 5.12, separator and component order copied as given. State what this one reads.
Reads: 10.10
